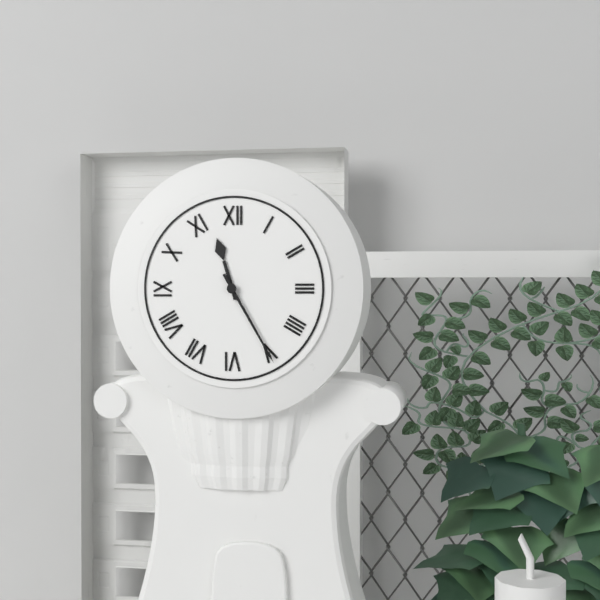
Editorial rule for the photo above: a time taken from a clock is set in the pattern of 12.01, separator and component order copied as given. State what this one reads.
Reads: 11.25
